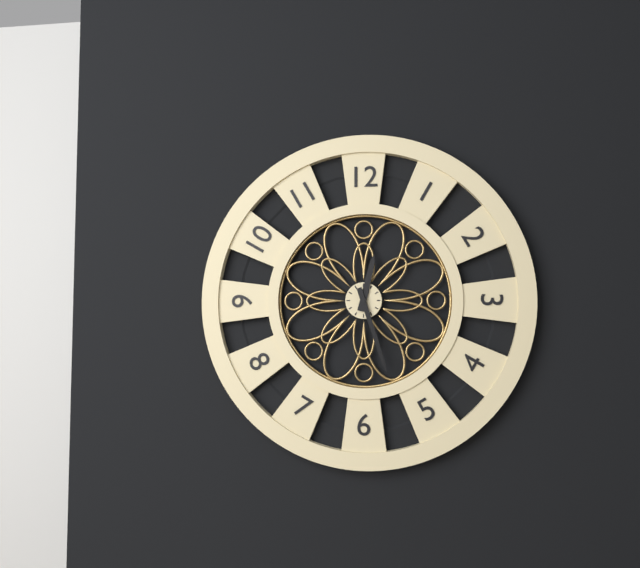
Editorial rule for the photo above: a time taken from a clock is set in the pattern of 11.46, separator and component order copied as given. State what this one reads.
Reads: 12.27
